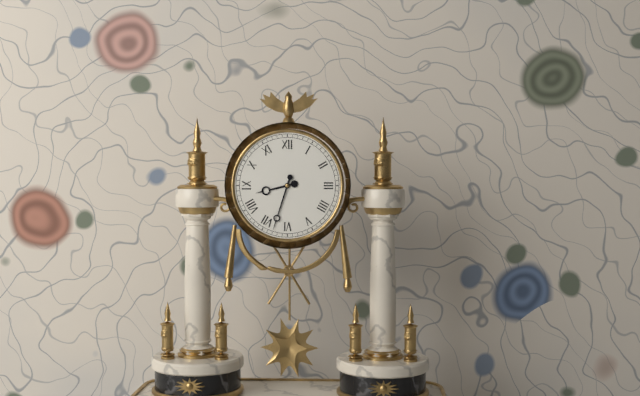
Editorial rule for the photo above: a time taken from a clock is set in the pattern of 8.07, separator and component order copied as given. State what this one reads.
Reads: 8.33
